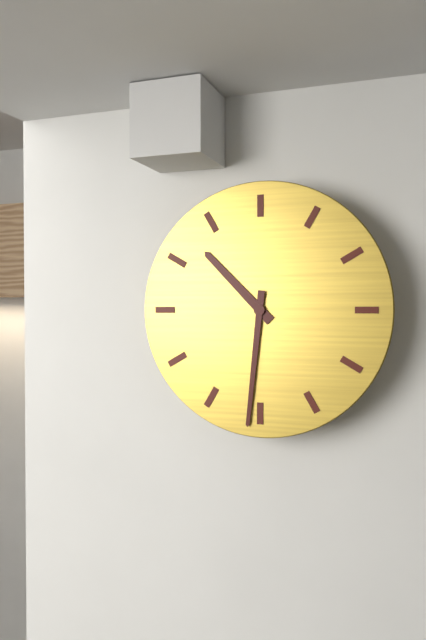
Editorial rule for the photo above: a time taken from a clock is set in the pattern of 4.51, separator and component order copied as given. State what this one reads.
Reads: 10.31
